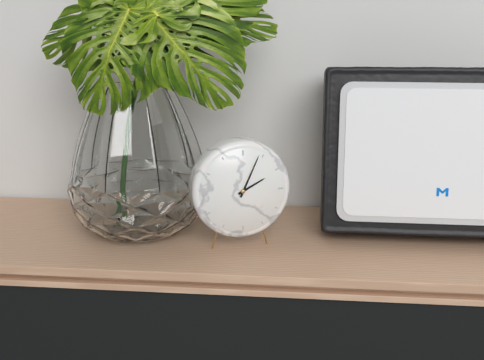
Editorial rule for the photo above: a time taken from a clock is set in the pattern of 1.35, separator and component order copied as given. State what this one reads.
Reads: 2.04
